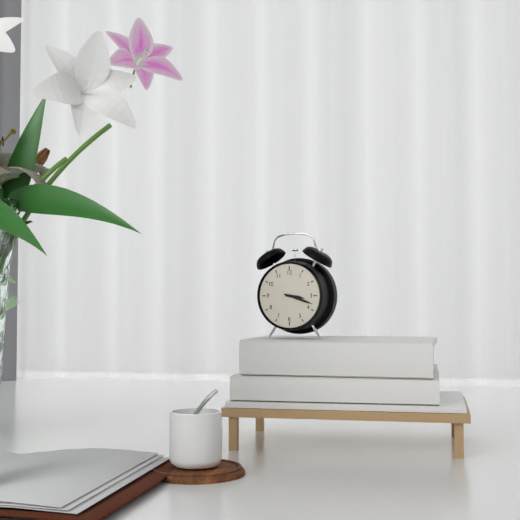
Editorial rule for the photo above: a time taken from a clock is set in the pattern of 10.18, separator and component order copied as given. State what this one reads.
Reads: 3.18
